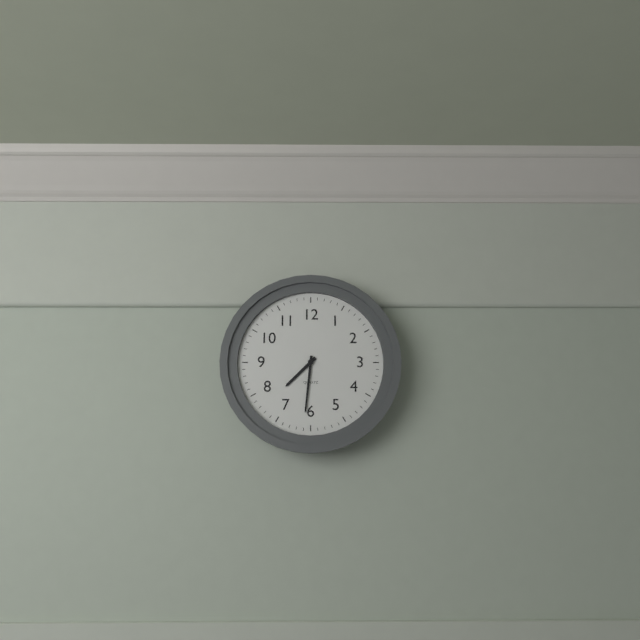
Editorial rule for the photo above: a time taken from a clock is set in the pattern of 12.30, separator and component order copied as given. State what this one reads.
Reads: 7.31
